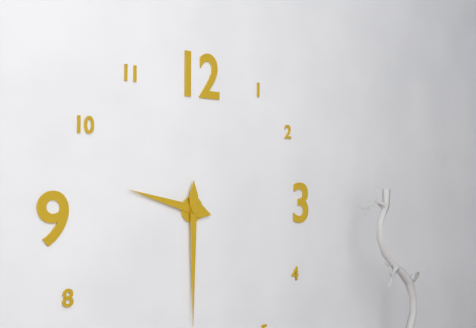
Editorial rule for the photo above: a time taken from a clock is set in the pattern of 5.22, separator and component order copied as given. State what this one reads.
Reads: 9.30
